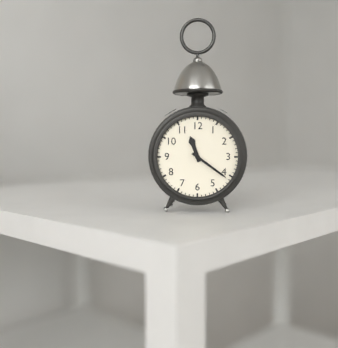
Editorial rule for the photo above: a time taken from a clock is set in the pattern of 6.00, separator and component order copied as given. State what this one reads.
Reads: 11.21
